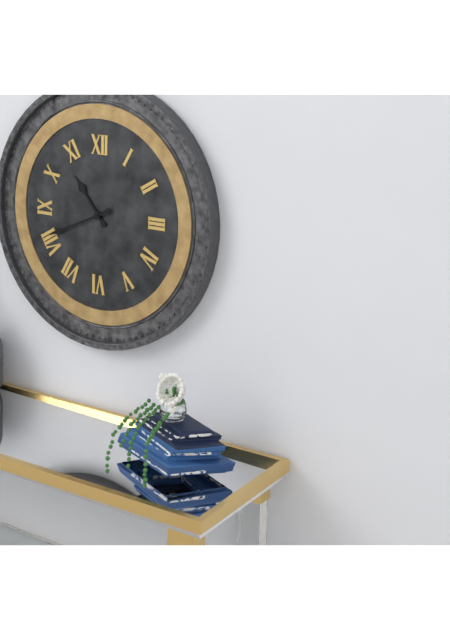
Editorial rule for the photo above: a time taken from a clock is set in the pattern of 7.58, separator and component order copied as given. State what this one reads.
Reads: 10.41
